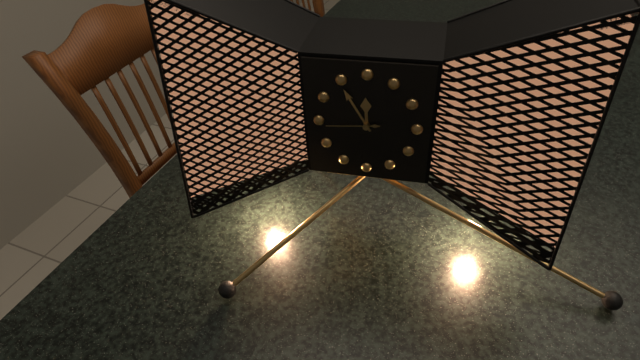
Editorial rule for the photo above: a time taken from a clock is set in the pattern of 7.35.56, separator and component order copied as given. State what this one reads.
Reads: 11.55.44
